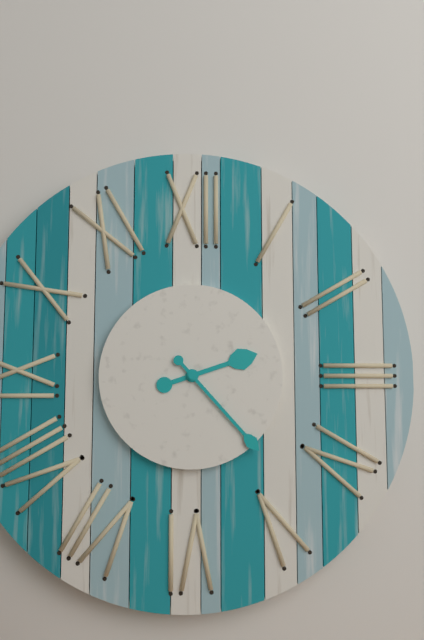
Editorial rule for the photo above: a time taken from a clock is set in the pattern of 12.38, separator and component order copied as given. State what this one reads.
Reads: 2.23
